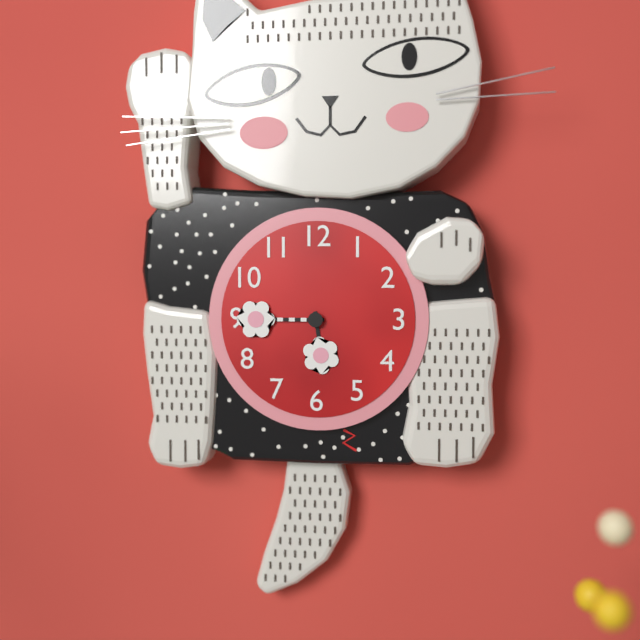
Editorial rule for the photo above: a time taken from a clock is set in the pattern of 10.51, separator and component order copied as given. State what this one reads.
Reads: 5.45
